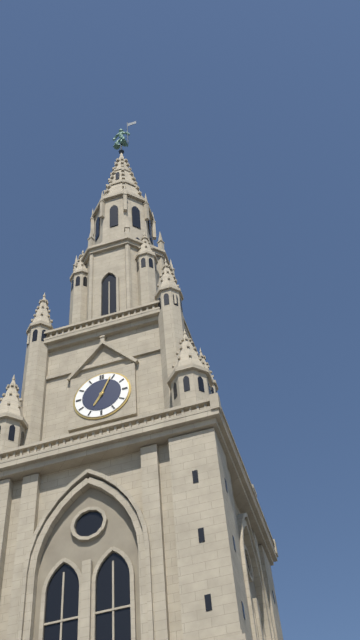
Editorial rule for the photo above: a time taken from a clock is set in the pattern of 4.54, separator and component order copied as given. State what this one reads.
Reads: 7.04
